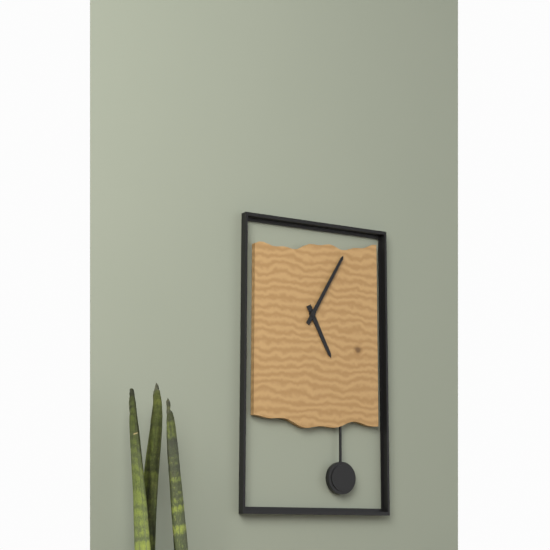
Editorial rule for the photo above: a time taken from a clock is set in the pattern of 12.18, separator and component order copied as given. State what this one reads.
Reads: 5.05
